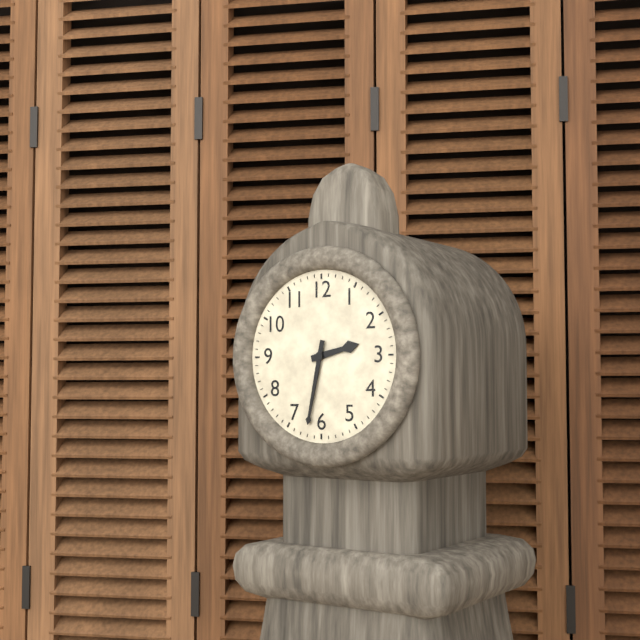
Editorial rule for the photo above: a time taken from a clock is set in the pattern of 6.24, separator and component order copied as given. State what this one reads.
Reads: 2.32
